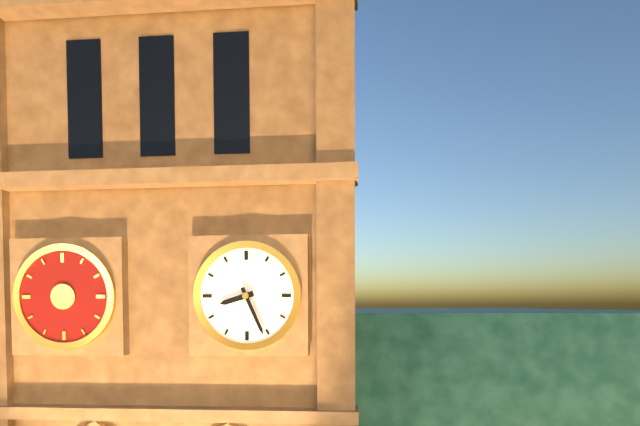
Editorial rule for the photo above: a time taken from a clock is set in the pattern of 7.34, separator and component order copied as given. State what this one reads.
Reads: 8.26
